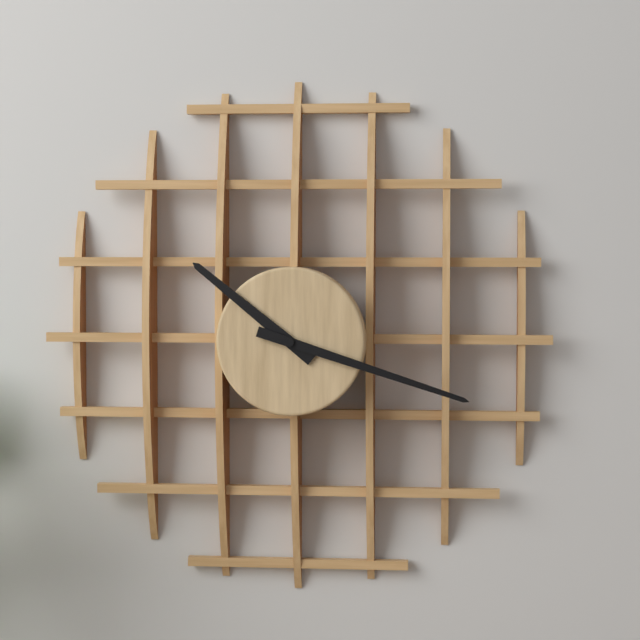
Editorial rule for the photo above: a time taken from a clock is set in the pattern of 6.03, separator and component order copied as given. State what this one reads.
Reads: 10.18
